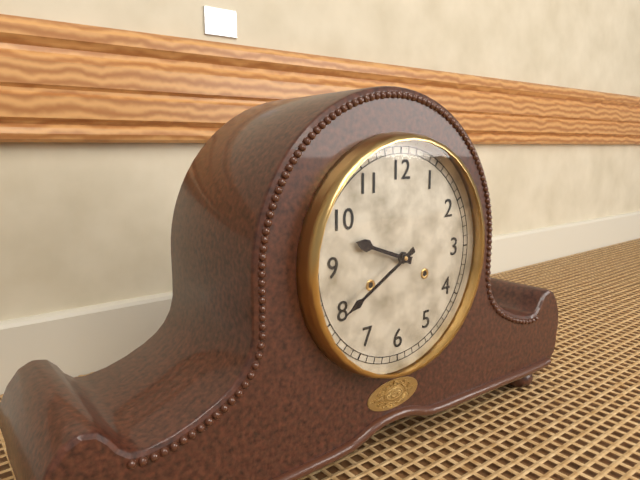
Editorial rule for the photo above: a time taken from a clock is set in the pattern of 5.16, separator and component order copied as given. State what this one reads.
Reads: 9.40
